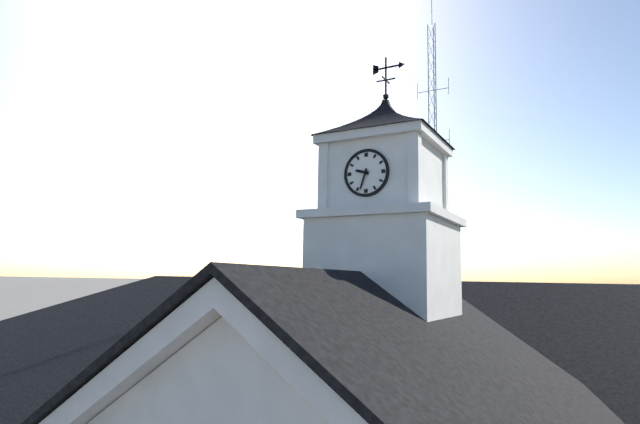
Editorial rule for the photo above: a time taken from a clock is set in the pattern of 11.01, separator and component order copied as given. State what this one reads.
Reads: 9.33
